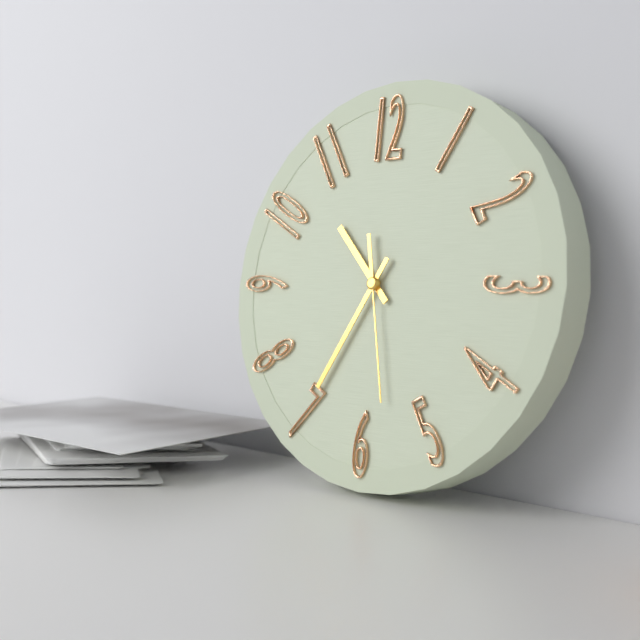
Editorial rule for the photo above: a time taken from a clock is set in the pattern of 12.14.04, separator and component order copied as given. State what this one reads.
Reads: 10.35.28
